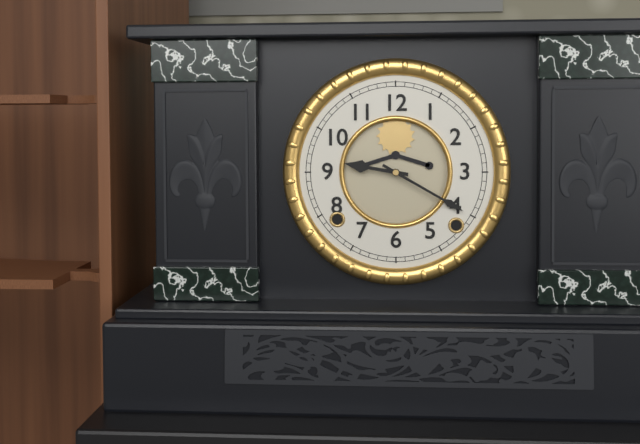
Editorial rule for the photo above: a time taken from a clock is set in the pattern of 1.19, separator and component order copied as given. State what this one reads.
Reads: 9.20
